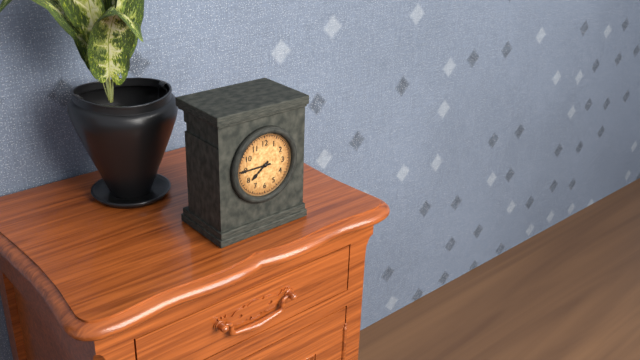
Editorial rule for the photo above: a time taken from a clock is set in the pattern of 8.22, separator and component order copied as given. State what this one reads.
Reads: 7.45
